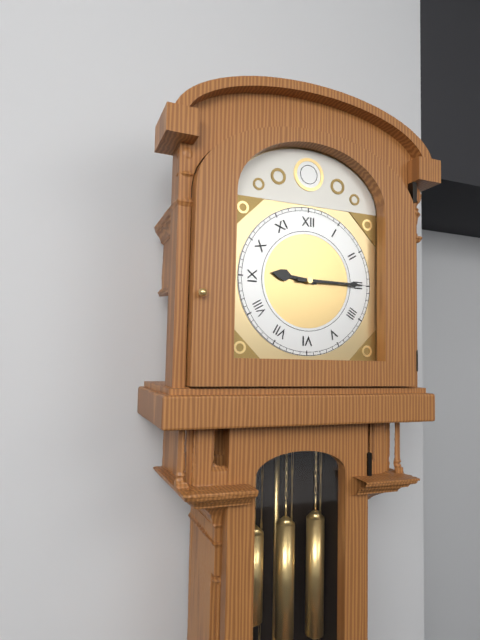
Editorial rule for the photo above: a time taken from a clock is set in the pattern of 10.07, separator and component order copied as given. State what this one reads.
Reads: 9.15
